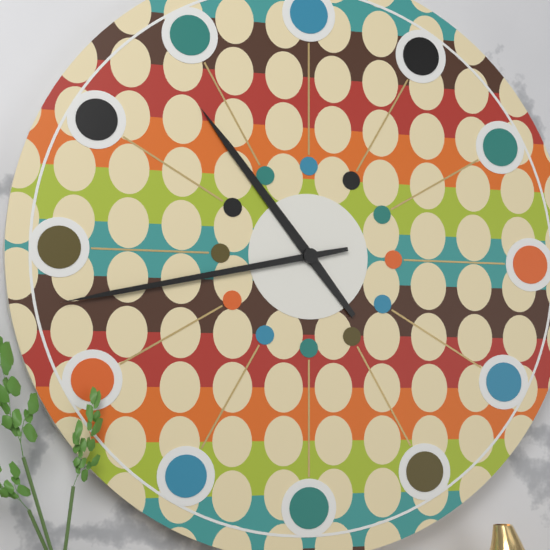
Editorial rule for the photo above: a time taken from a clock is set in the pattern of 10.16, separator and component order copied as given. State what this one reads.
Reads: 10.43
